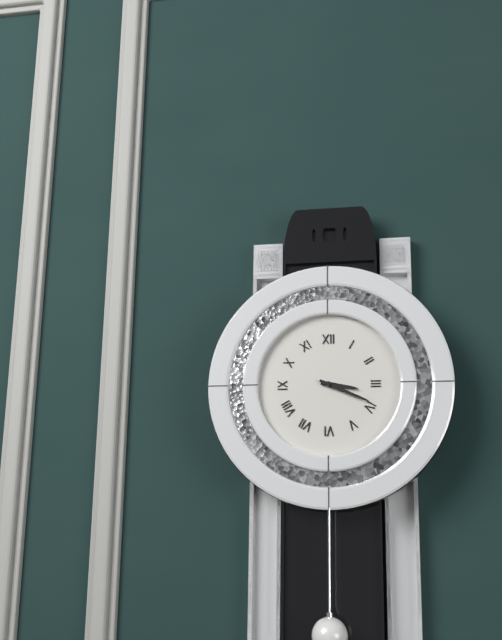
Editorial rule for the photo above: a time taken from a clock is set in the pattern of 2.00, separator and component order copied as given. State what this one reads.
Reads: 3.19
